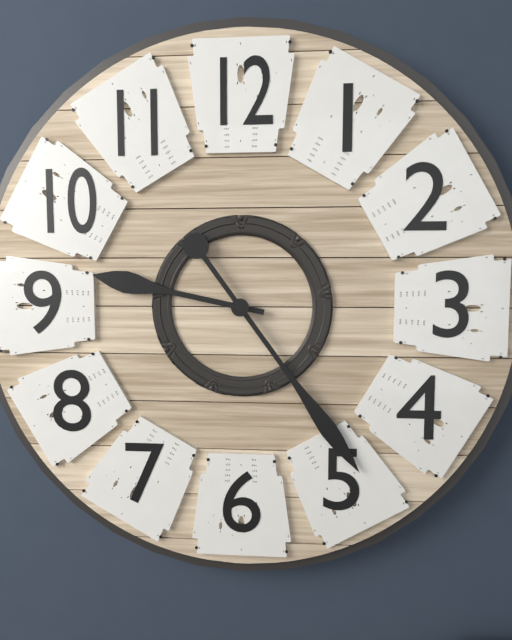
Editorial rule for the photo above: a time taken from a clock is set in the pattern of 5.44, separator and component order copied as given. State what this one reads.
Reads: 9.24
